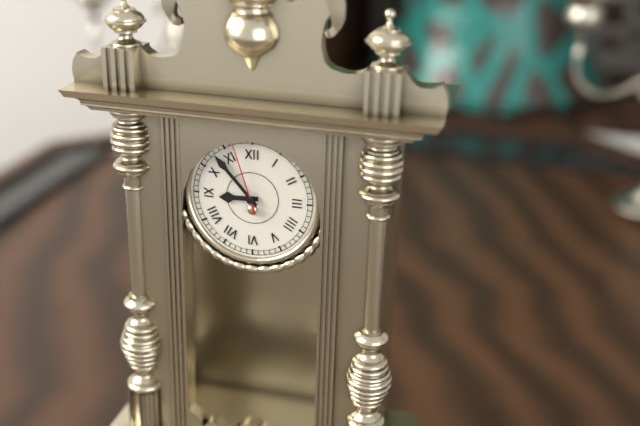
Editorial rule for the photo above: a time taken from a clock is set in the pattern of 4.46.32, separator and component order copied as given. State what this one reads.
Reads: 8.53.57
